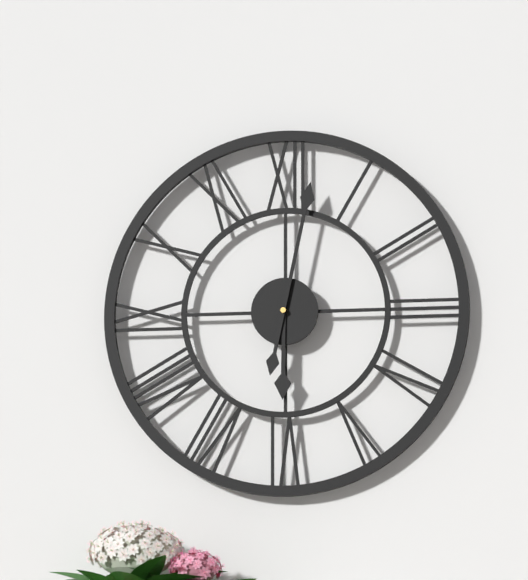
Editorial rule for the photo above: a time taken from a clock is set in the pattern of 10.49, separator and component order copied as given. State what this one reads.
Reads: 6.02
